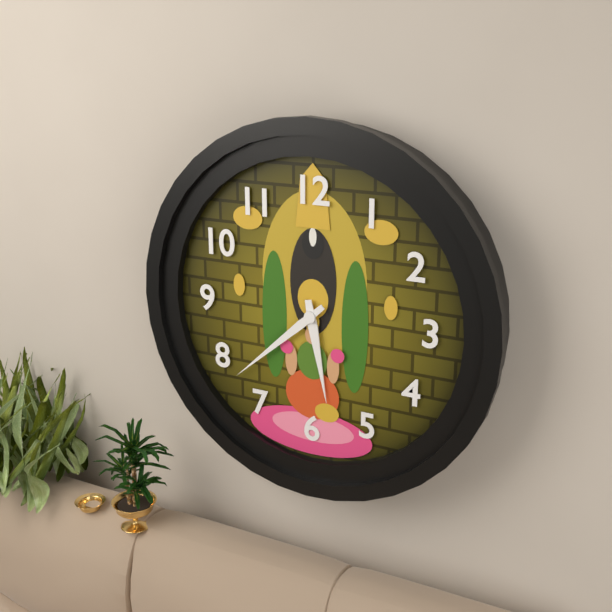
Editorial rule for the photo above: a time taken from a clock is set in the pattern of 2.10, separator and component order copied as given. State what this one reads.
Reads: 5.38
